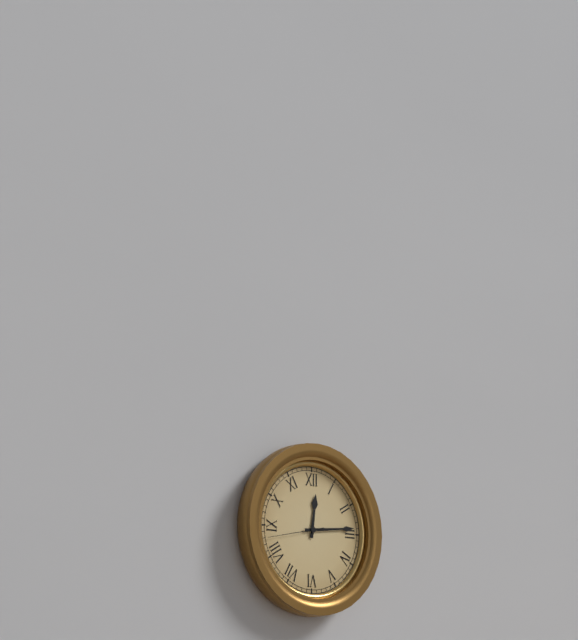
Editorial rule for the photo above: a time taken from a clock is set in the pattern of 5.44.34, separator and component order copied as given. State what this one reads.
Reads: 12.14.43
